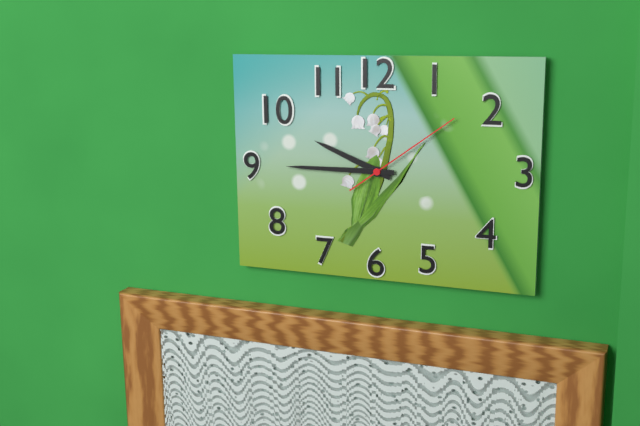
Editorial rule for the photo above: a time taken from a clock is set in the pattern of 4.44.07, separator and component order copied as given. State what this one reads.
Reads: 9.45.09
